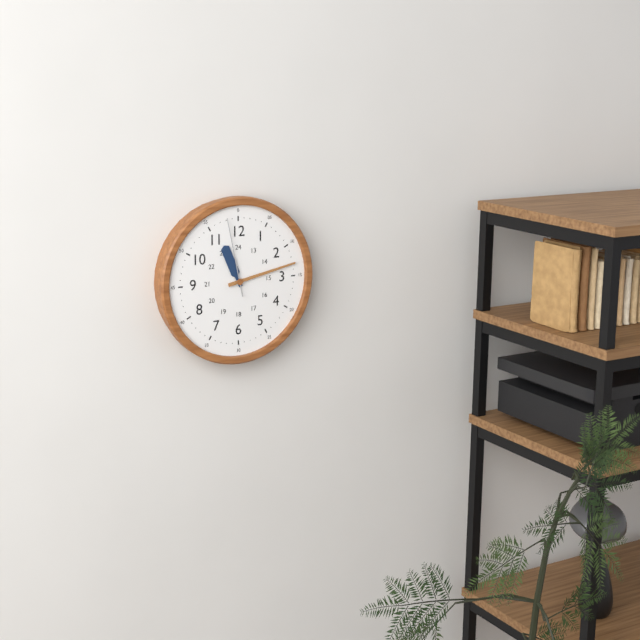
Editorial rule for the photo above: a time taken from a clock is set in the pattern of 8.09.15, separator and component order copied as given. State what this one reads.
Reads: 11.13.58
